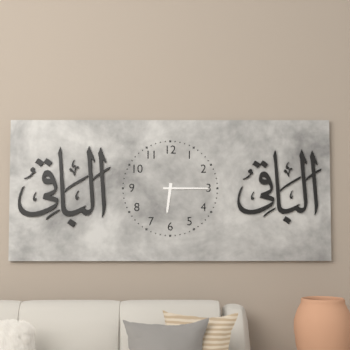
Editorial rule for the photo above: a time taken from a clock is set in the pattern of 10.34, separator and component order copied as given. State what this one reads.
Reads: 6.15
